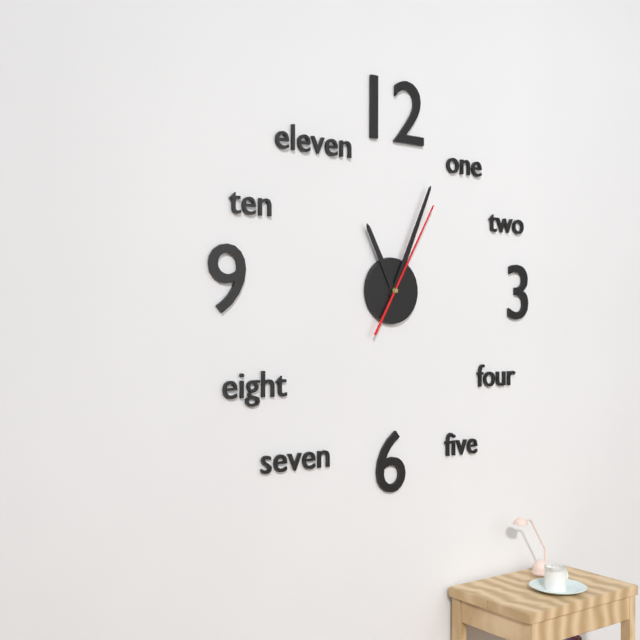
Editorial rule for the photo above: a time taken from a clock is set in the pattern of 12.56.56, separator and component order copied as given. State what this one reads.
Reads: 11.04.05
